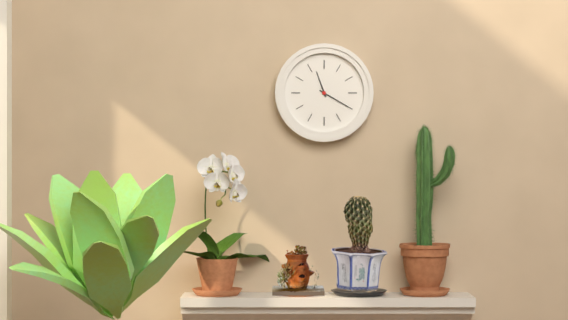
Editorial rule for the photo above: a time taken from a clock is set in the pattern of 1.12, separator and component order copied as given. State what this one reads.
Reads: 11.20
